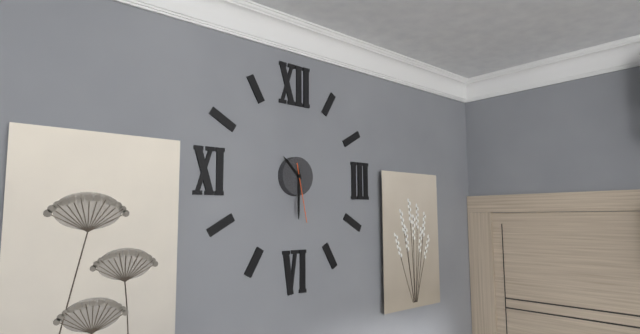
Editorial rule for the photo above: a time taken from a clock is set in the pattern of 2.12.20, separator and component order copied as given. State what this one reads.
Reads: 10.30.28
